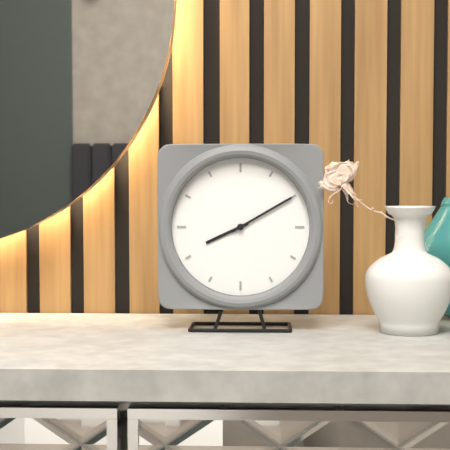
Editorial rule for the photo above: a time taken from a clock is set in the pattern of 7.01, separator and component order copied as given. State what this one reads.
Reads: 8.10
